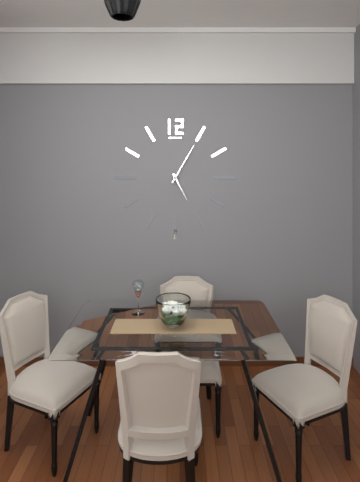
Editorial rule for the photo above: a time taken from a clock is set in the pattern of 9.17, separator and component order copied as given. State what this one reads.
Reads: 5.05
